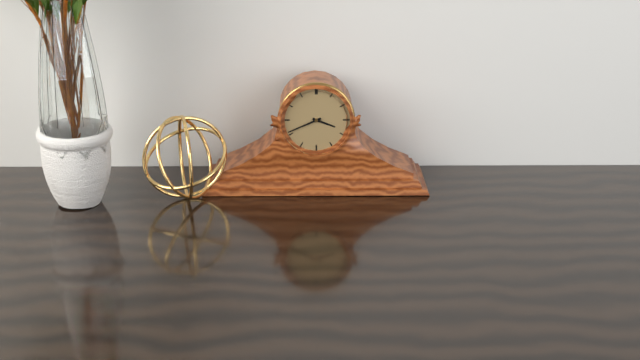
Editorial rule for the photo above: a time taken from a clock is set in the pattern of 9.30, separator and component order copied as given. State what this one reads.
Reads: 3.41
